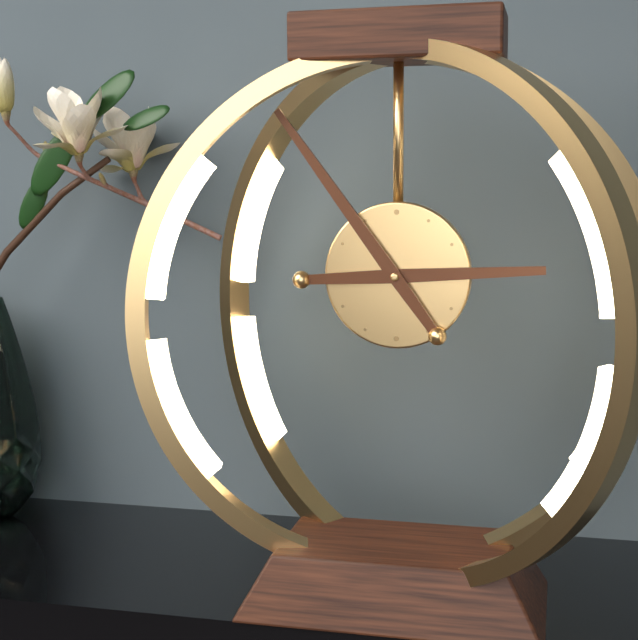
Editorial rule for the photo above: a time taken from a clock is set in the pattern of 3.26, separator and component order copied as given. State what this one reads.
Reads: 2.54
